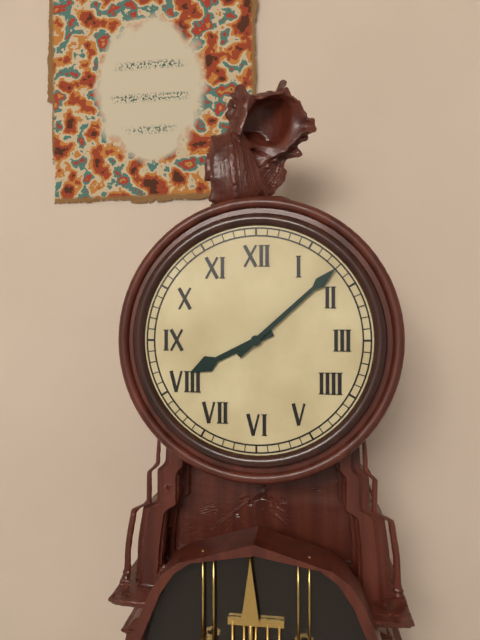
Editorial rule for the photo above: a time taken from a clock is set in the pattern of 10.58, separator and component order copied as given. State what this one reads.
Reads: 8.08
